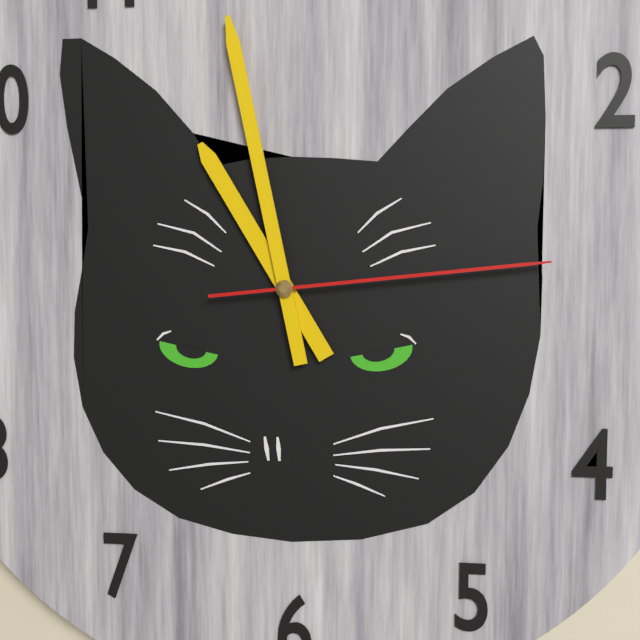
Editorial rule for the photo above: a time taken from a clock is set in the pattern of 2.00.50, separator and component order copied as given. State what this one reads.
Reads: 10.58.14
